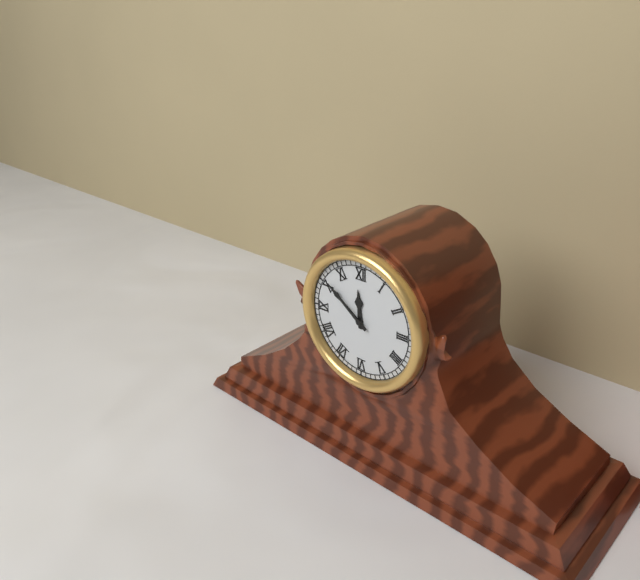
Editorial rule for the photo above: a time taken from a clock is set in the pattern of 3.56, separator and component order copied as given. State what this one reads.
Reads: 11.51
